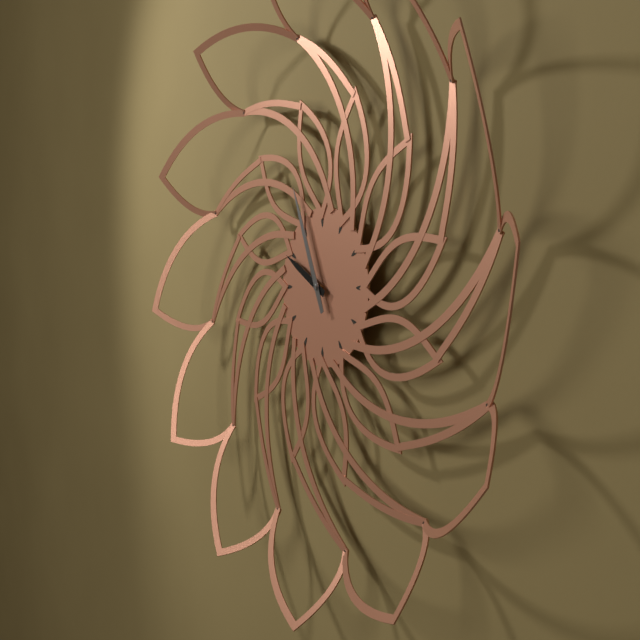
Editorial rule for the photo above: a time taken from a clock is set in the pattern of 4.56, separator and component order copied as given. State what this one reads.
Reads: 9.56
